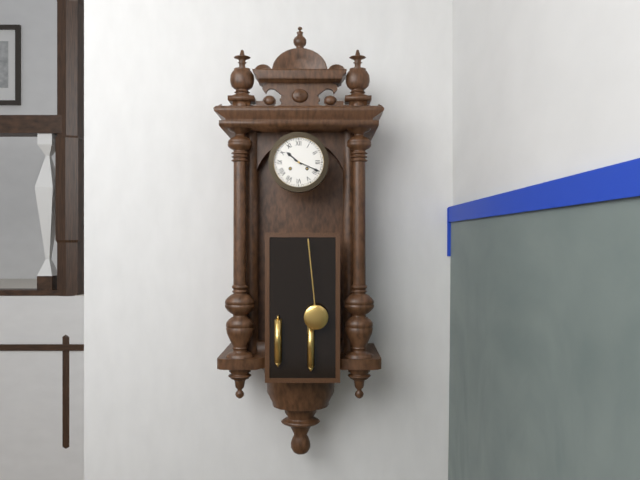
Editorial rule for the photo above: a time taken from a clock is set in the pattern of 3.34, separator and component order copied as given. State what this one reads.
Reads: 10.19
